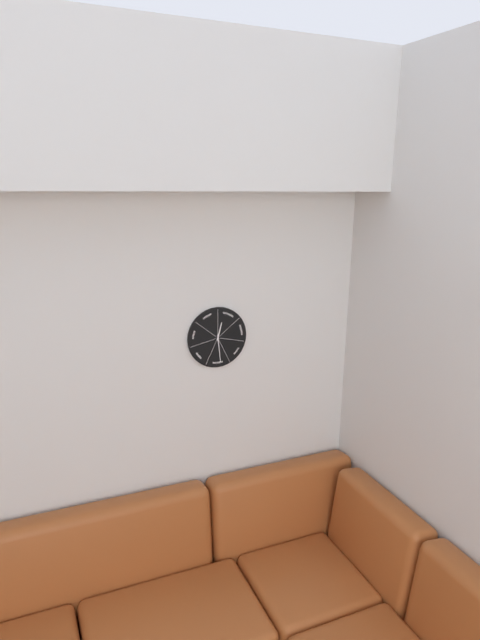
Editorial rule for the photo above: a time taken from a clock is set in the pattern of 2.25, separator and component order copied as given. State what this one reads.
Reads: 12.29
